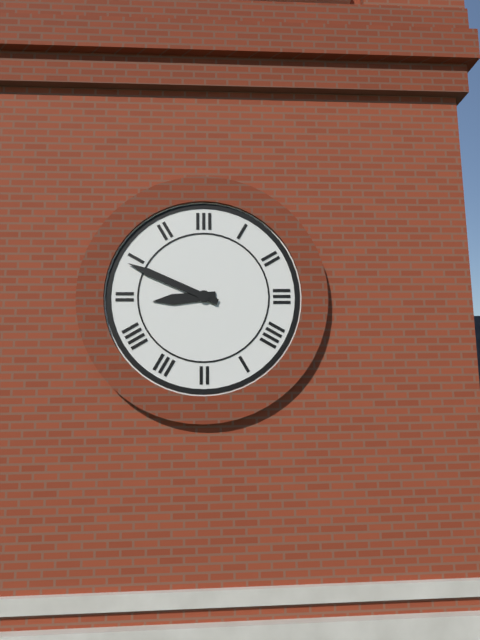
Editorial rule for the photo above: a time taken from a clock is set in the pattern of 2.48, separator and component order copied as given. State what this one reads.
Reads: 8.49
